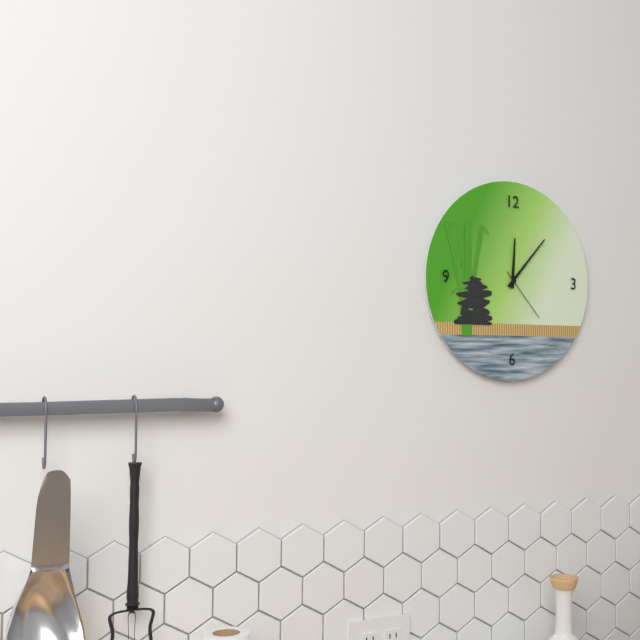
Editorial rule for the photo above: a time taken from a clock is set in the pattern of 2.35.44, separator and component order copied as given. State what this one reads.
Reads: 12.07.23
